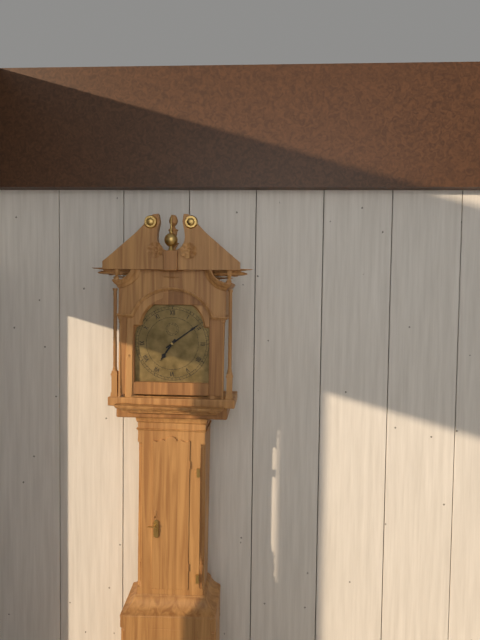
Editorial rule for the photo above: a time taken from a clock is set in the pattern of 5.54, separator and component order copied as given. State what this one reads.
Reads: 7.09
